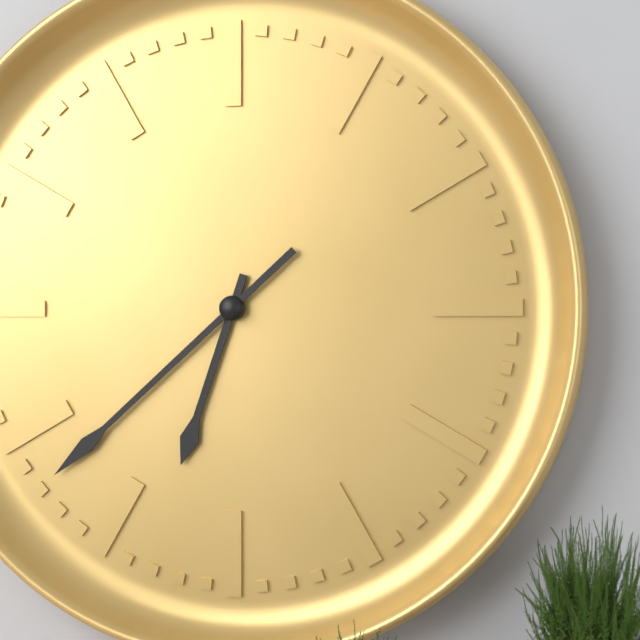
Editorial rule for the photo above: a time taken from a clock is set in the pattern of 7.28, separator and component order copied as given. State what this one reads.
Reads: 6.38
